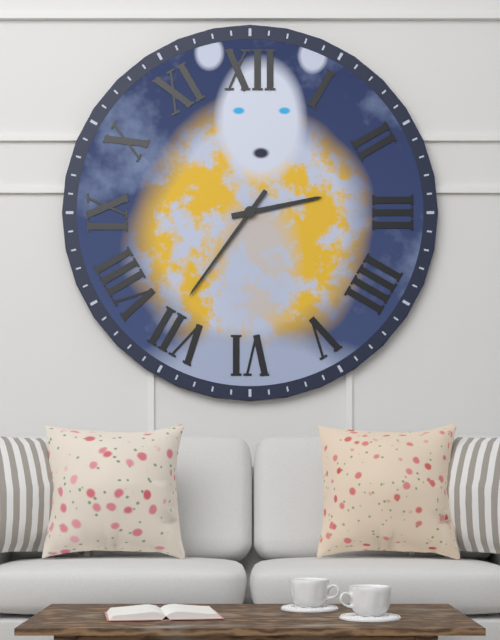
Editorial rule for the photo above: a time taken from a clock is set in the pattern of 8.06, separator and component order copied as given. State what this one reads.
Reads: 2.36
